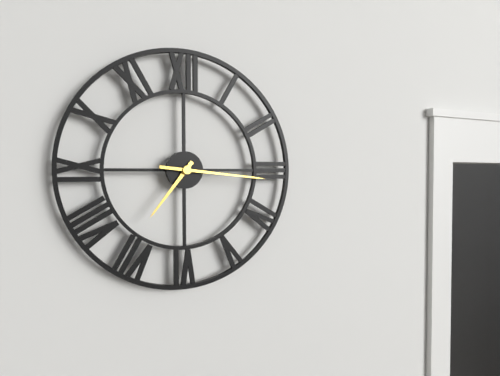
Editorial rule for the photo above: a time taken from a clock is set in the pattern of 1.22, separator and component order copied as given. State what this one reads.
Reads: 7.16
